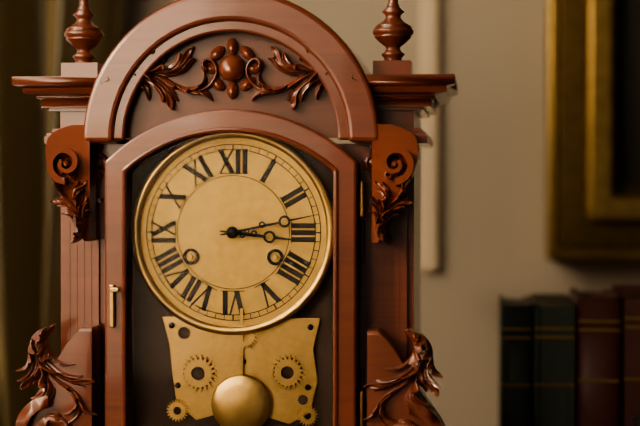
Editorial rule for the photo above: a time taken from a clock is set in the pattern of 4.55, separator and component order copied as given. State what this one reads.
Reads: 3.13
